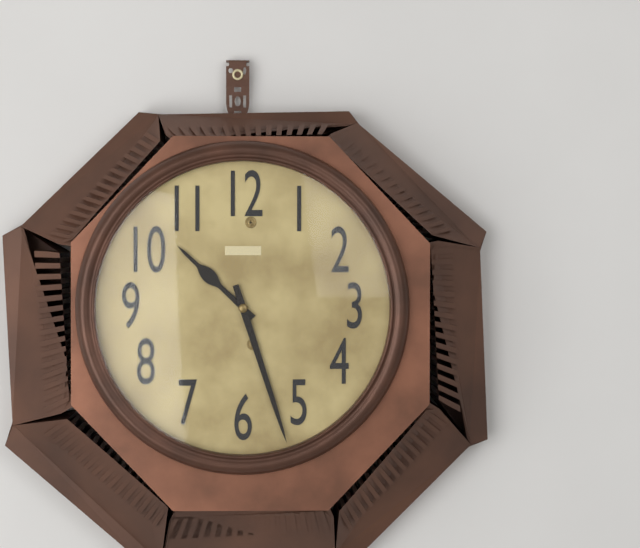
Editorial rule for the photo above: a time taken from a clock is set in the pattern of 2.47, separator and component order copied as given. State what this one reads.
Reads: 10.27
